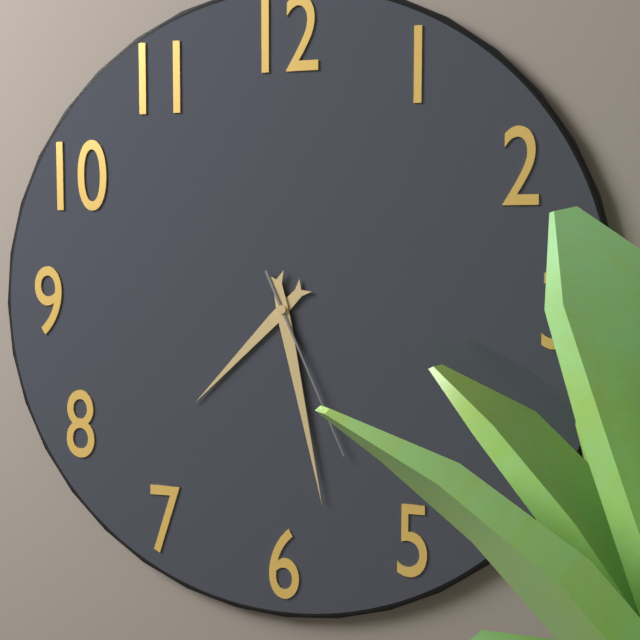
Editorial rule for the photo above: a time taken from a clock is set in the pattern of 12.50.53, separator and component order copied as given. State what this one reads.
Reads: 7.28.26
